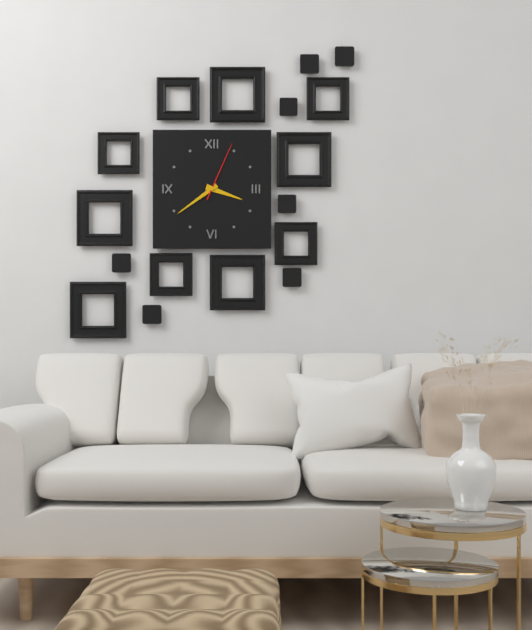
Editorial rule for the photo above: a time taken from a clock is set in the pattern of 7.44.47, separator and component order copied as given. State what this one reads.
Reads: 3.39.04
